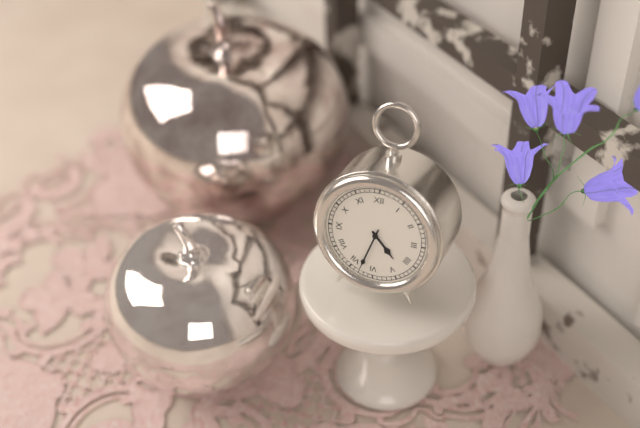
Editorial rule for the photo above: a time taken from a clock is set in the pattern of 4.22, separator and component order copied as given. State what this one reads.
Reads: 4.33
